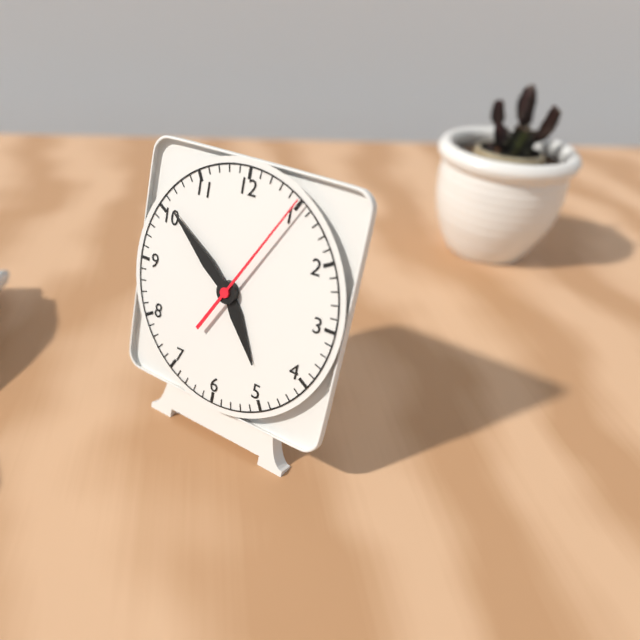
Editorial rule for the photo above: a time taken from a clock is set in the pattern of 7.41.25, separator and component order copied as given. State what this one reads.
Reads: 4.51.05
